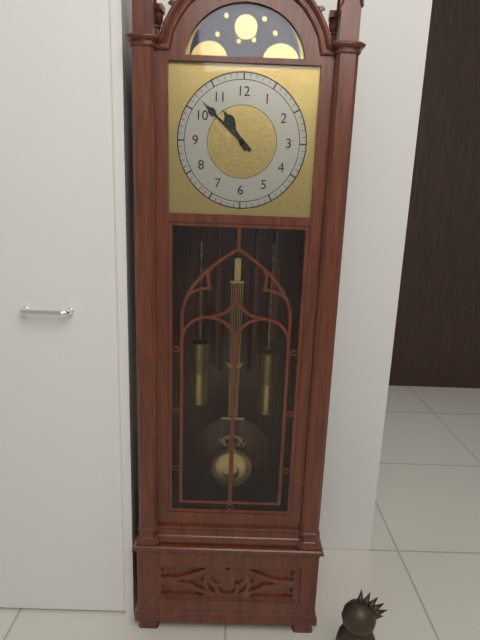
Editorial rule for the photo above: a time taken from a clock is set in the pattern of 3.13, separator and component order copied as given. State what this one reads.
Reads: 10.52
